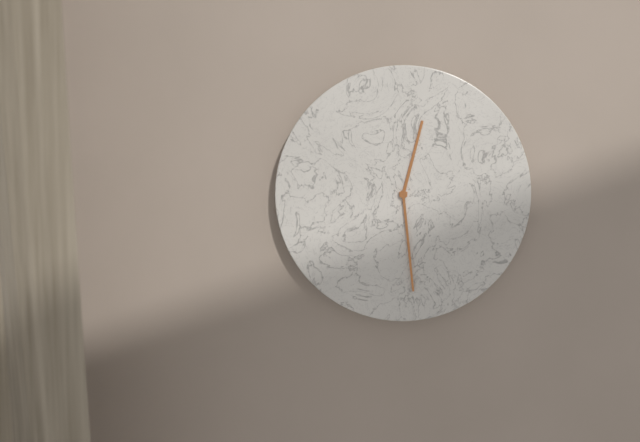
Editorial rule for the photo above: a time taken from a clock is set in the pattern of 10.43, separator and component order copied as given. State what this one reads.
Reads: 12.29
